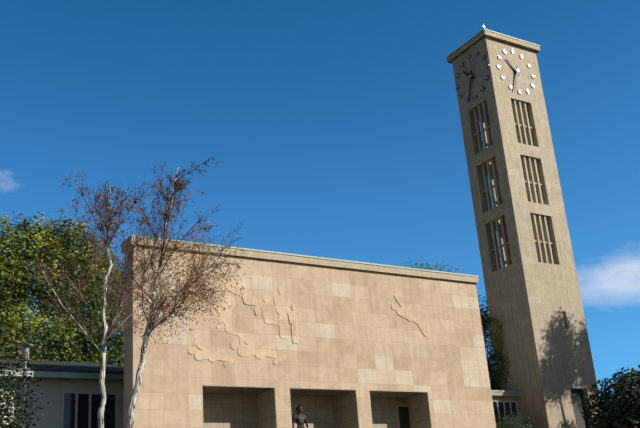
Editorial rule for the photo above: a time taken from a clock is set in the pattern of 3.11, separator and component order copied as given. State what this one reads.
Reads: 10.33
